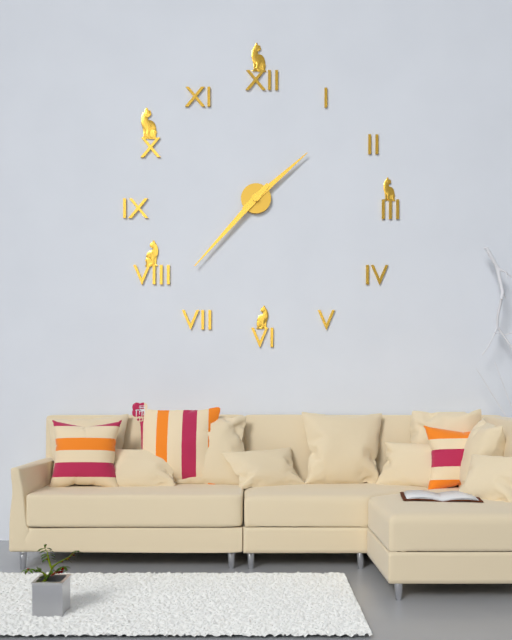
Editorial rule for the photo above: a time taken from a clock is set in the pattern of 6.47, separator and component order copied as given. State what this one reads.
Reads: 1.37
